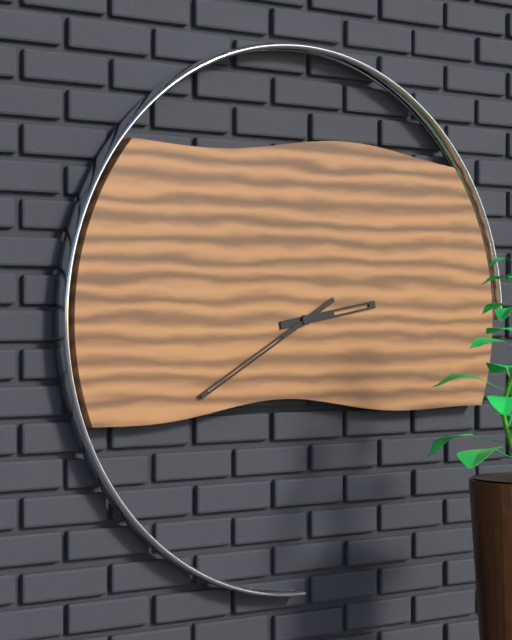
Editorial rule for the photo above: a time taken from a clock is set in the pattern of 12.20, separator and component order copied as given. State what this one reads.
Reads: 2.40
